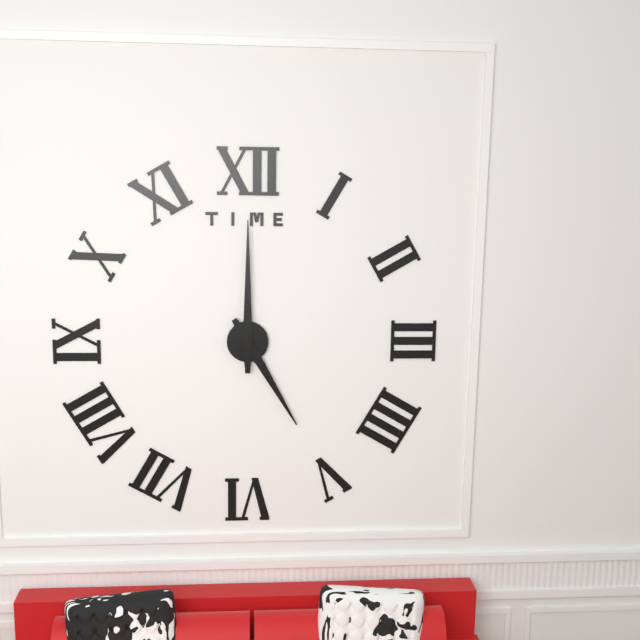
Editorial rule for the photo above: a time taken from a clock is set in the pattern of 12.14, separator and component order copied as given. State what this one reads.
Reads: 5.00
